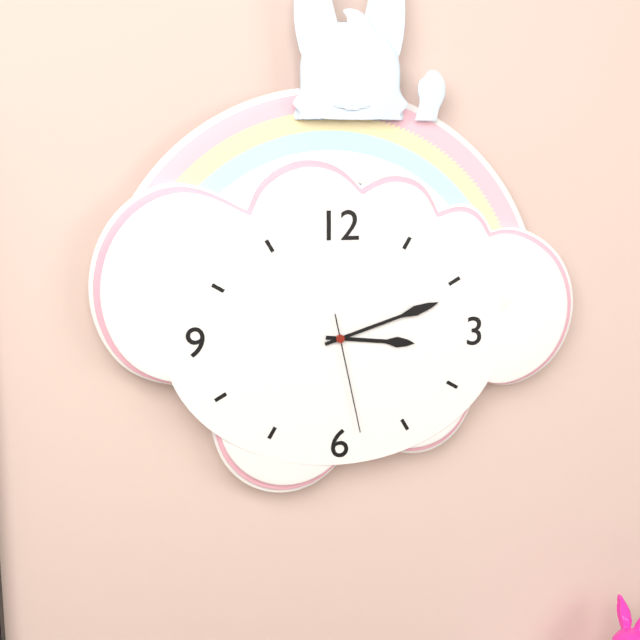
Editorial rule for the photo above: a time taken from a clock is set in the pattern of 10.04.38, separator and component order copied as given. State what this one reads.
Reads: 3.12.28
